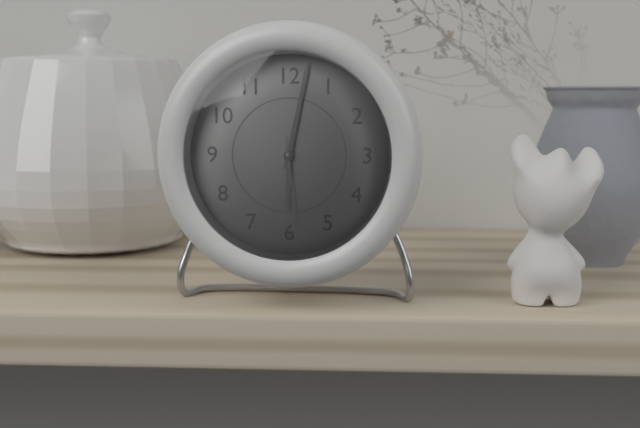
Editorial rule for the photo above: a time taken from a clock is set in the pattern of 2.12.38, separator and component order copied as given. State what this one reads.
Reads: 6.02.29
